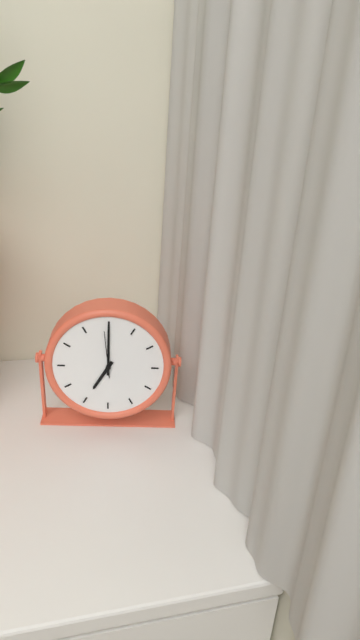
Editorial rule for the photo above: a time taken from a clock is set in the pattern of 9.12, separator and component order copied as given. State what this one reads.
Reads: 7.00
